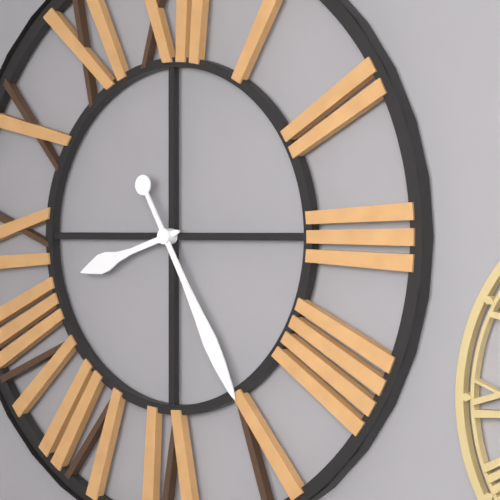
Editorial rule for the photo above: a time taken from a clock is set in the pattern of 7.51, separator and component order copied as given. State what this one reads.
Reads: 8.25
